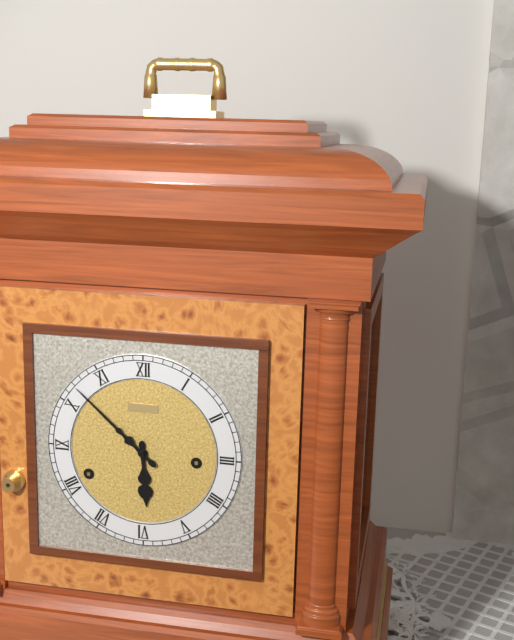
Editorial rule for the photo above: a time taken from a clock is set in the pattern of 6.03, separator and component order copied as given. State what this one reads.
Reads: 5.52
